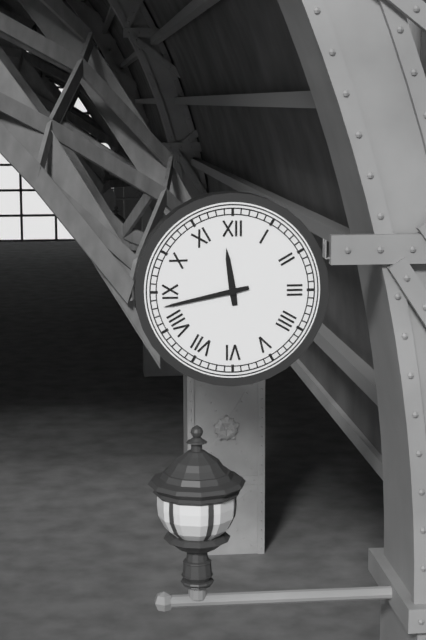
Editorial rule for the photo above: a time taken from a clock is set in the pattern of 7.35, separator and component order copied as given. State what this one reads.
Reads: 11.43
